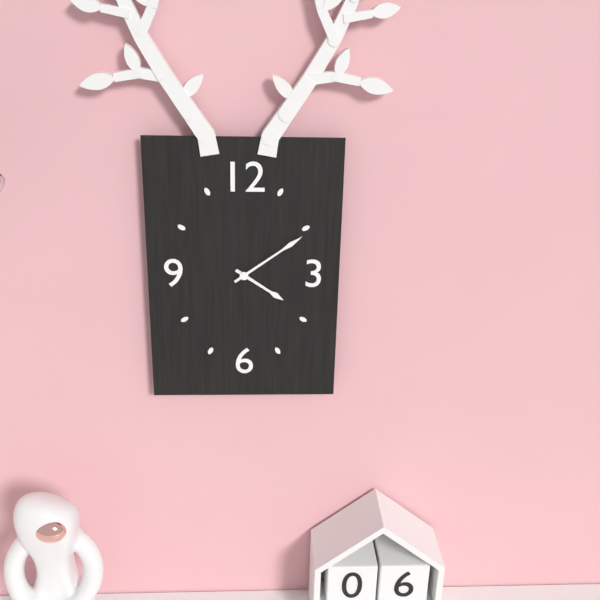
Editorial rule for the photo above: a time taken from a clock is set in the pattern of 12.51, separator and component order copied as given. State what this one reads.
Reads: 4.09
